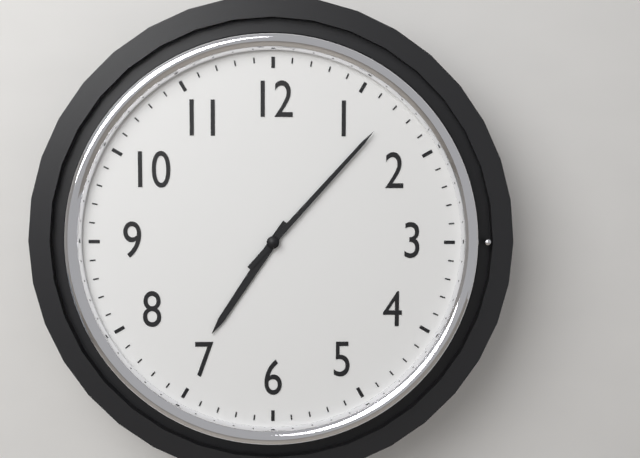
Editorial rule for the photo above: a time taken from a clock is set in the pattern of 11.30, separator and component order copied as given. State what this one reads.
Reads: 7.07
